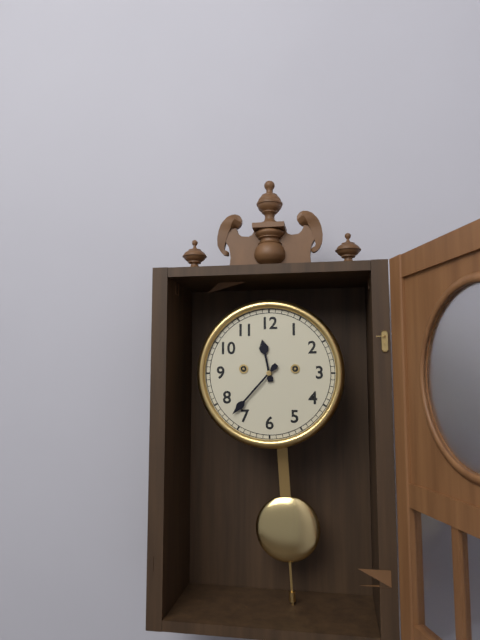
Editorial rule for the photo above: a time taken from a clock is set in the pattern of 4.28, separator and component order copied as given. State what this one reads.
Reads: 11.37
